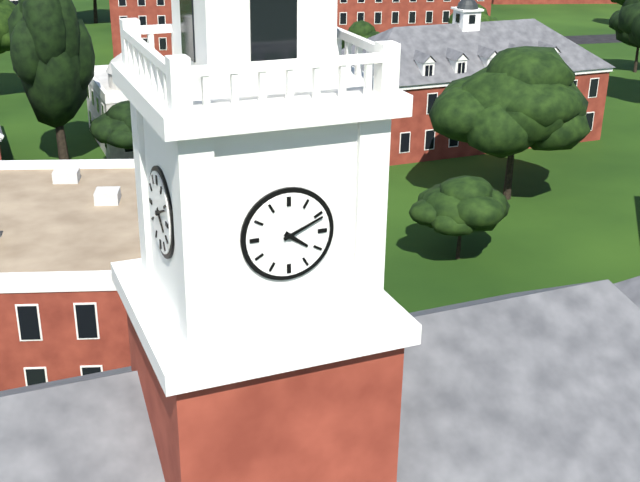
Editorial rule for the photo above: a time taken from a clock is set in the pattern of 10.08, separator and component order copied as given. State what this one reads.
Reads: 4.11
